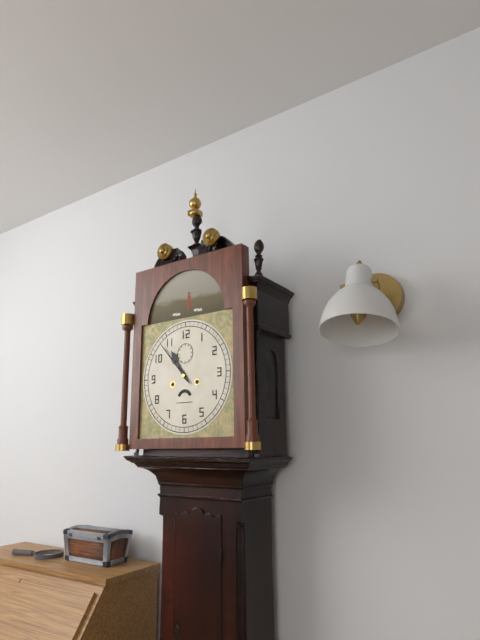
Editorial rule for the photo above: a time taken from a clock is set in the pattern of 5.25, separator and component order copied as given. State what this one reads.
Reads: 10.53
